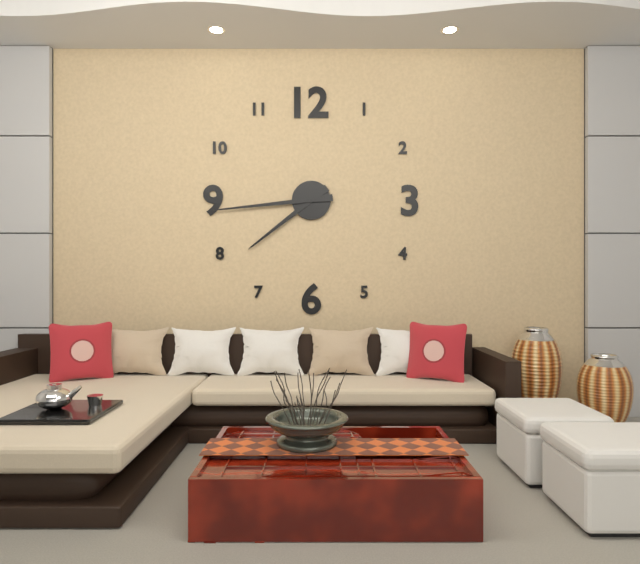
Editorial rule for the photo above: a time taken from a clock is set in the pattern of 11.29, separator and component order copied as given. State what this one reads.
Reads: 7.44
